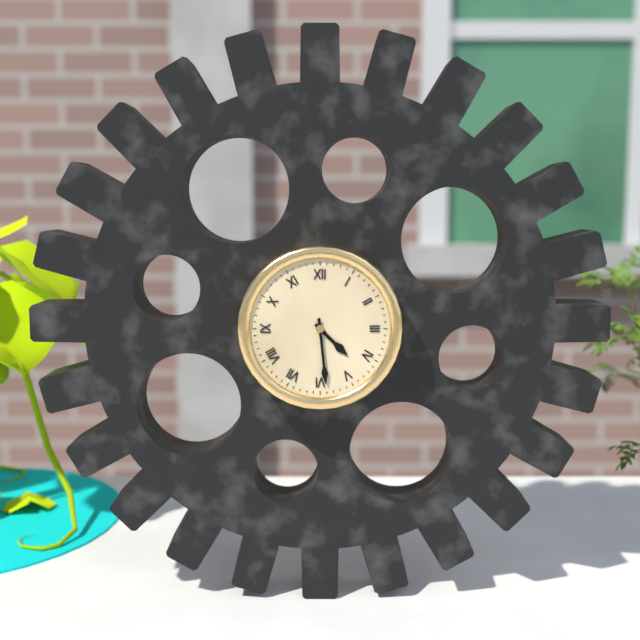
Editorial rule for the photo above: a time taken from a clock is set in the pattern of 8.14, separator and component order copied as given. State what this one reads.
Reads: 4.29
